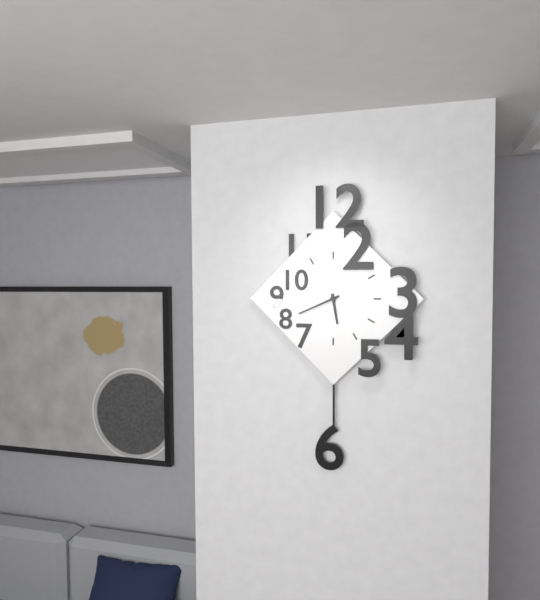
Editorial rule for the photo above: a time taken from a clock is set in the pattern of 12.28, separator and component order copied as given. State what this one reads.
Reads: 5.41
